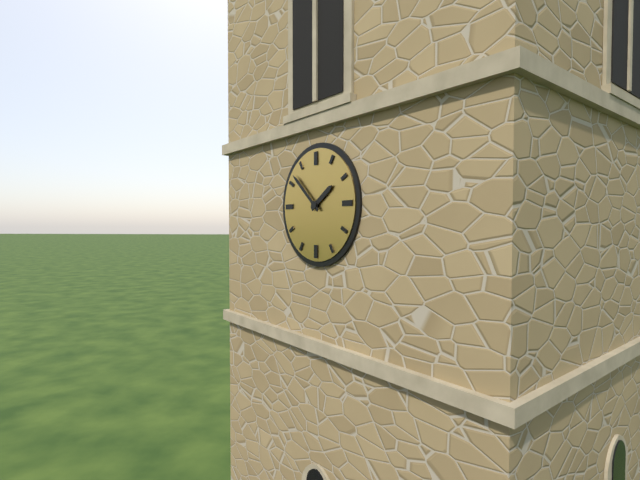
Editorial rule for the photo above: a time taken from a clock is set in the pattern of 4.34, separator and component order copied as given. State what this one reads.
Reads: 1.52
